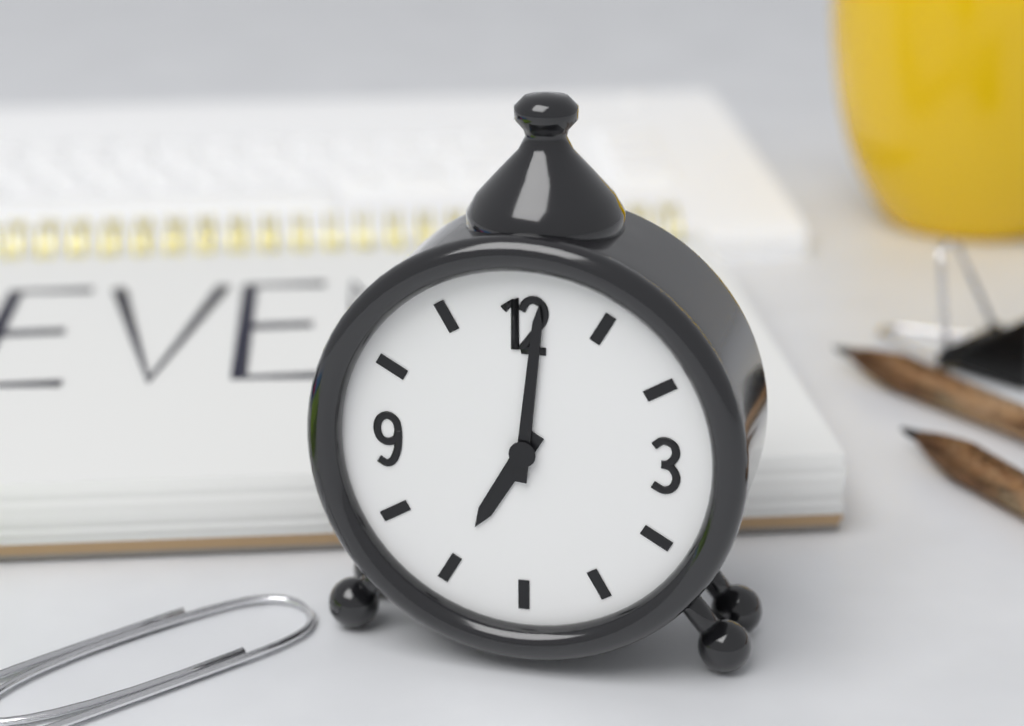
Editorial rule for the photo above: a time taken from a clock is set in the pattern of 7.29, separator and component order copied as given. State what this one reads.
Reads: 7.01
